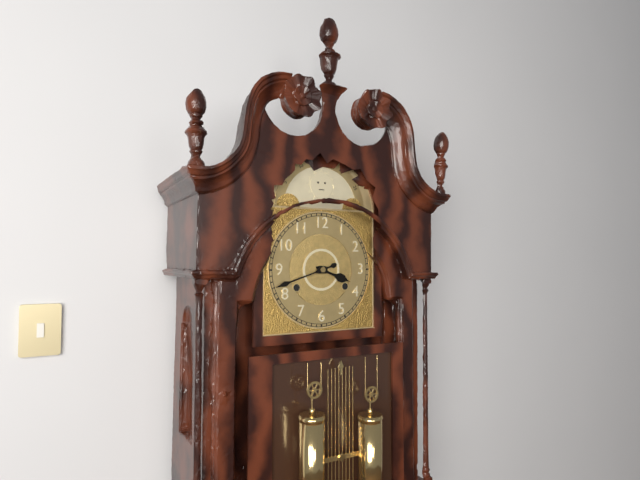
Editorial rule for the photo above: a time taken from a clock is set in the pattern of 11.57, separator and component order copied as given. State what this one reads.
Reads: 3.42
